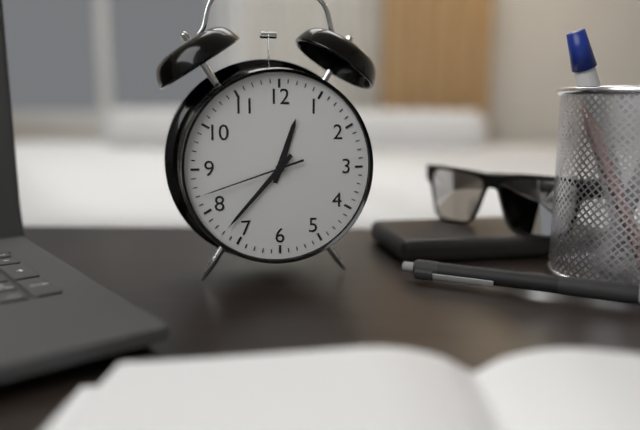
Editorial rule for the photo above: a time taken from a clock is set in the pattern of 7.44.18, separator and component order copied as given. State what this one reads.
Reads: 12.37.42
